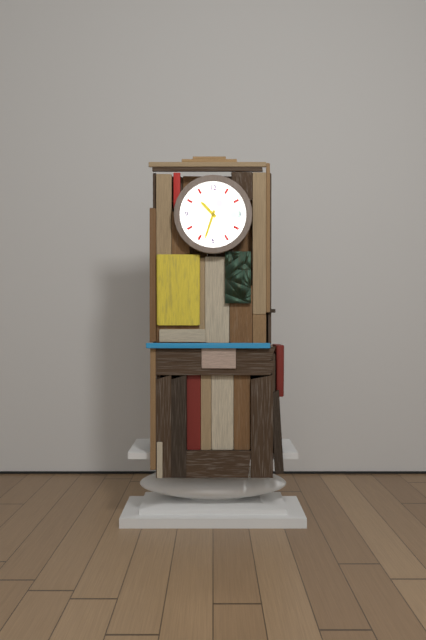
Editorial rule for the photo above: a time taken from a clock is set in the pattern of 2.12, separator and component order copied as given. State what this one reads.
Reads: 10.33
